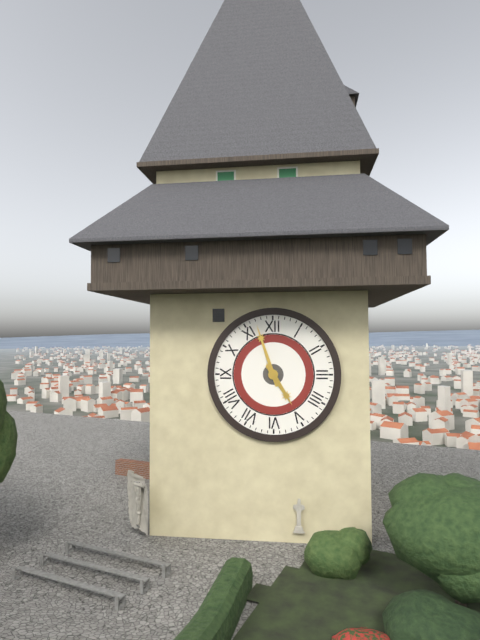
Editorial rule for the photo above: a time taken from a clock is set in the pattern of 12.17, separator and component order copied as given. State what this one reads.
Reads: 4.57
